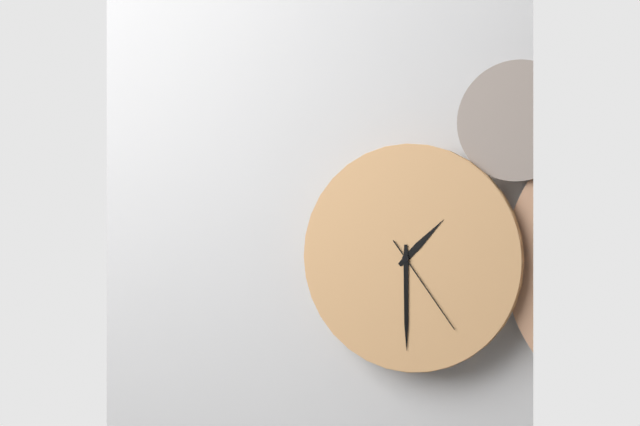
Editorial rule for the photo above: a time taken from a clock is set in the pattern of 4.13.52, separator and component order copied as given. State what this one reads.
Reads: 1.30.24
